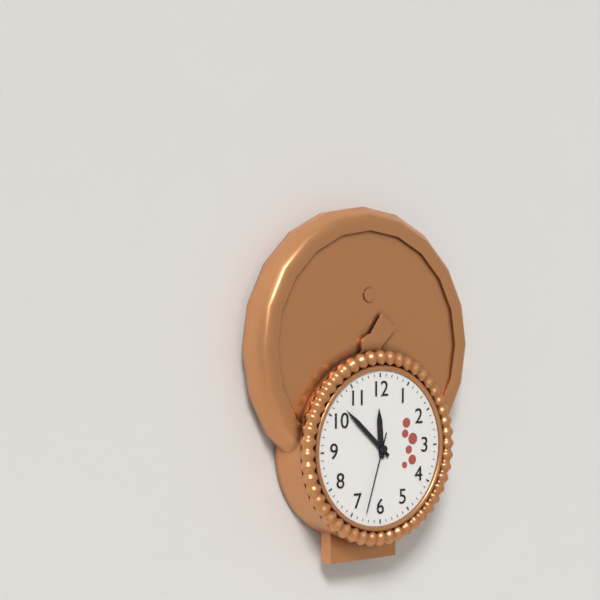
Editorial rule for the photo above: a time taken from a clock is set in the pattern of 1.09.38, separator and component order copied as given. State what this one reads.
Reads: 11.52.33
